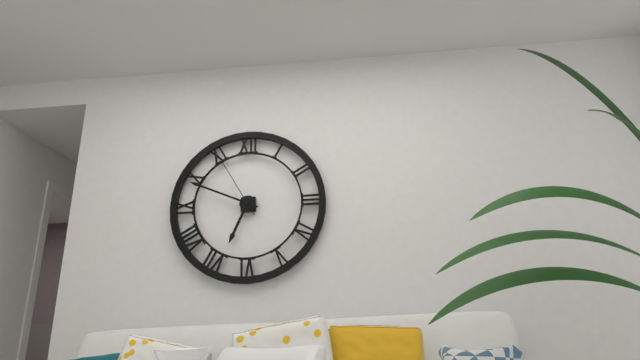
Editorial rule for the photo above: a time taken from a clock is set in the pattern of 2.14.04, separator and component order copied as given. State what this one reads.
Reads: 6.49.55
